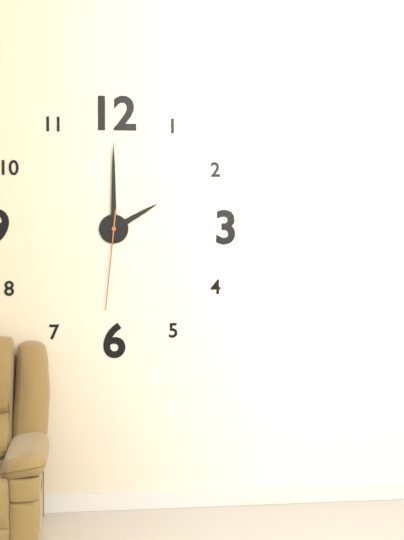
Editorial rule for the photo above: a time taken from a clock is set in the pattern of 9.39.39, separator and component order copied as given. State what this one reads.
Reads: 2.00.31
